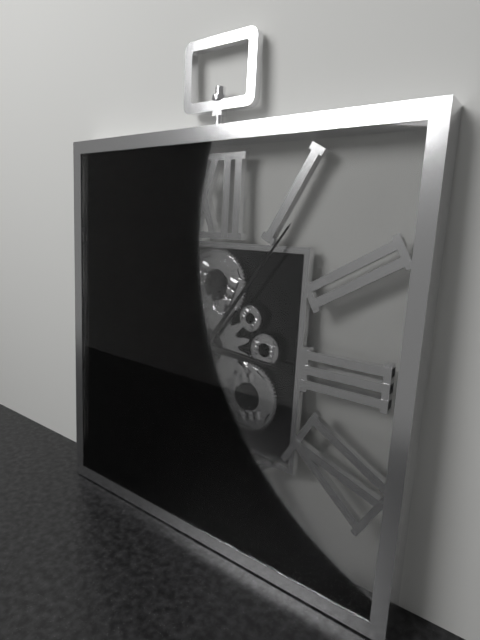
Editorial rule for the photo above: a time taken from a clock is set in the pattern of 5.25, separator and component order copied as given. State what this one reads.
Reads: 3.06
